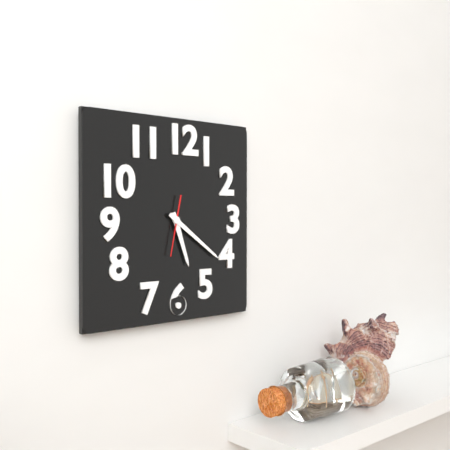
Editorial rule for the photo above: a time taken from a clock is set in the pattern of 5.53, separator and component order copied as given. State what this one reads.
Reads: 5.21
